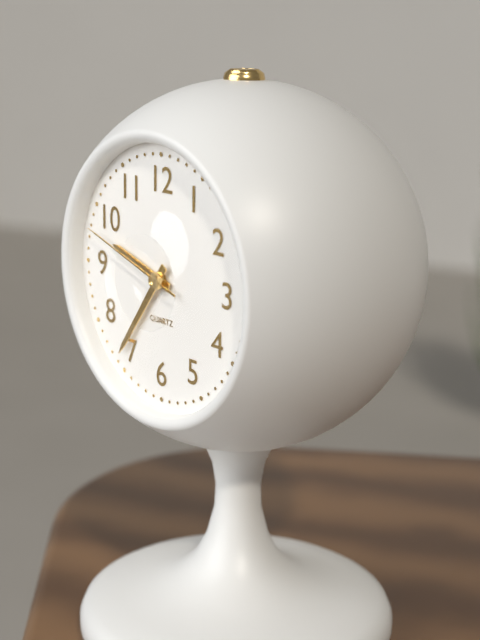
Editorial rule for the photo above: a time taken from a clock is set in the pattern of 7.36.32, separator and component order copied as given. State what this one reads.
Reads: 9.36.48
